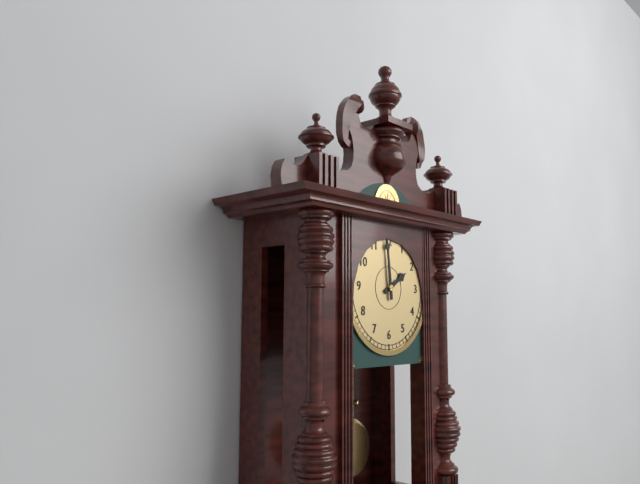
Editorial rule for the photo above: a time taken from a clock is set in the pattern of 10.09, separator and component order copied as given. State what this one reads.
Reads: 1.59
